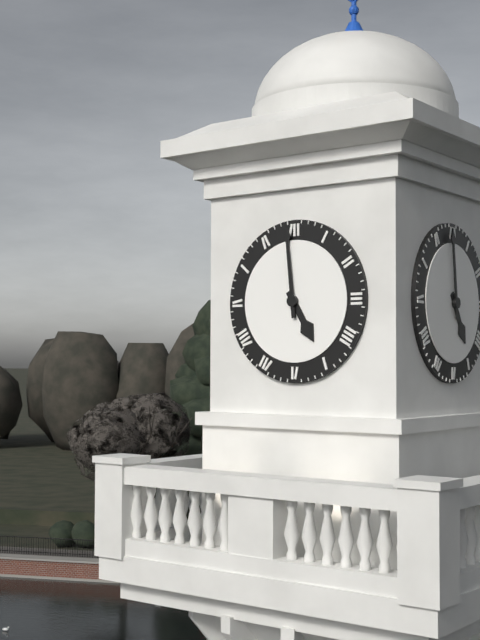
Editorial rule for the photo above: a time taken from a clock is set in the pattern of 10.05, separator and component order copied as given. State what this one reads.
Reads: 4.59
